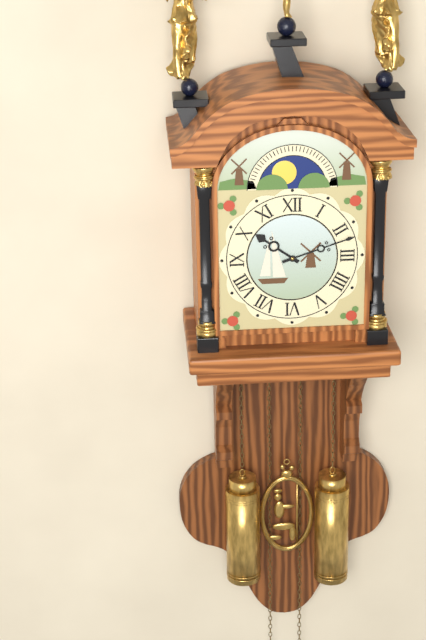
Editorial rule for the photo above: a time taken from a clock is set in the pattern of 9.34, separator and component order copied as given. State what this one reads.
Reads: 10.12
